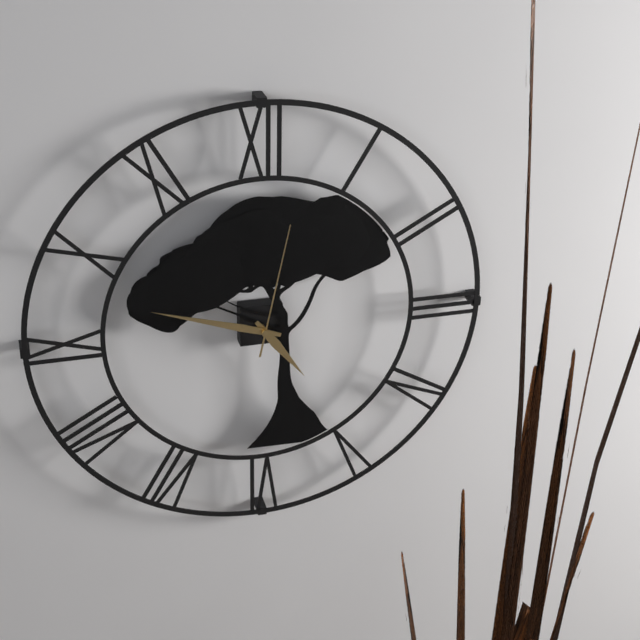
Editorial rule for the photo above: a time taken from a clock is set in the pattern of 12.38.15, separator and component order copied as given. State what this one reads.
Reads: 4.48.02
